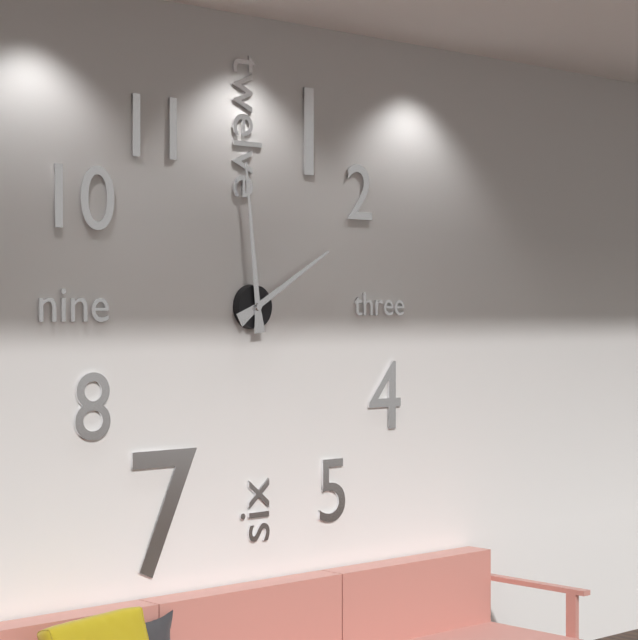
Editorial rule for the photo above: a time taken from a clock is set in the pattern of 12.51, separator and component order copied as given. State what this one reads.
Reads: 1.59
